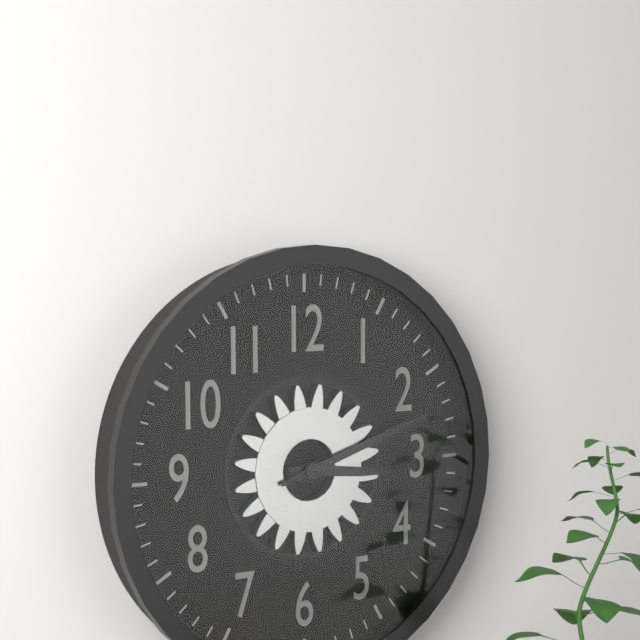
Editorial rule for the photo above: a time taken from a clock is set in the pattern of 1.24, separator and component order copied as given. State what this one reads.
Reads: 3.12
